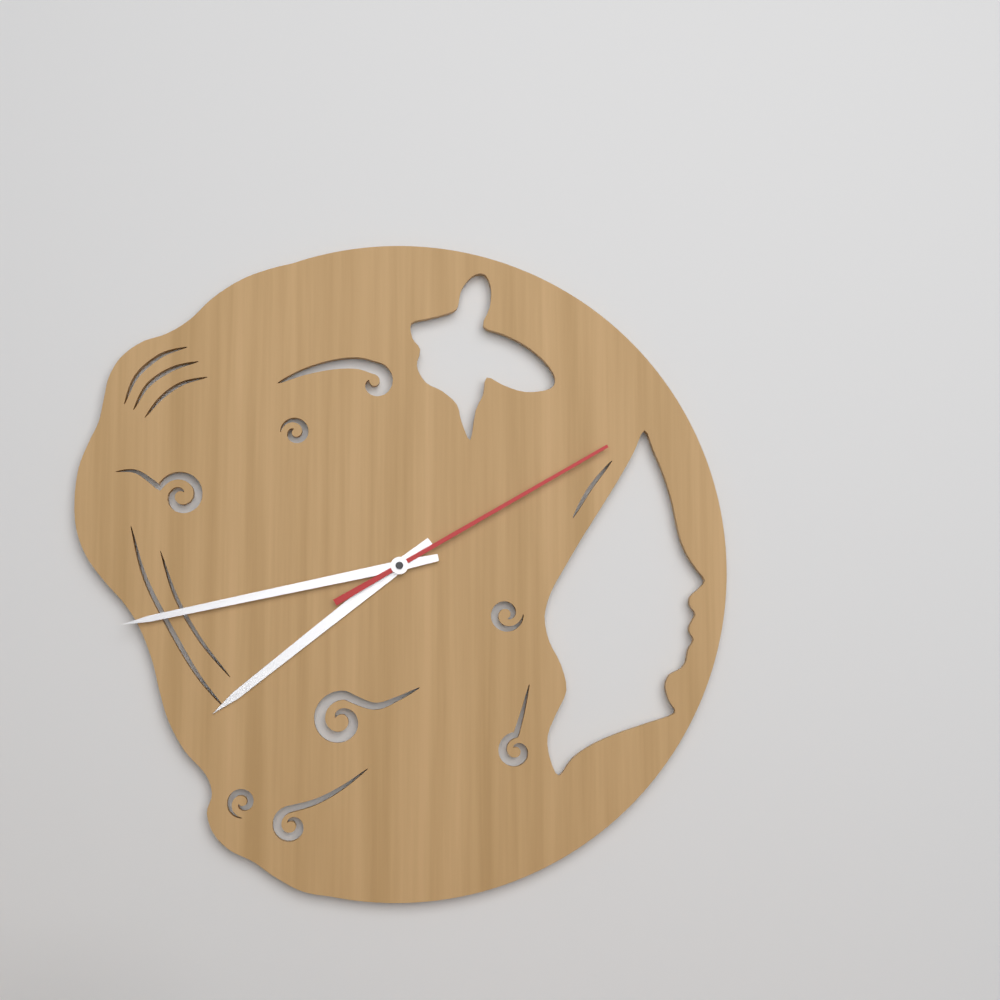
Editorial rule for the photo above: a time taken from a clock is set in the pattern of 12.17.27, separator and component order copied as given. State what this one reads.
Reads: 7.43.10
